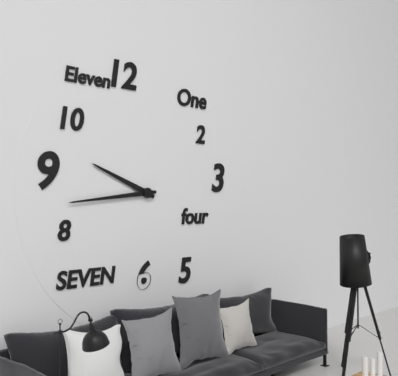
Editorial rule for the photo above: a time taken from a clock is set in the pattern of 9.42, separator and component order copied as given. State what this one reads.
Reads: 9.44
